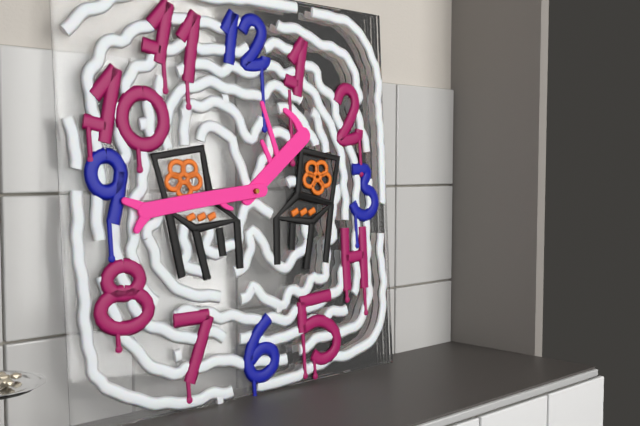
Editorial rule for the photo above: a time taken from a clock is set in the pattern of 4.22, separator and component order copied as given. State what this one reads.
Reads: 1.44
